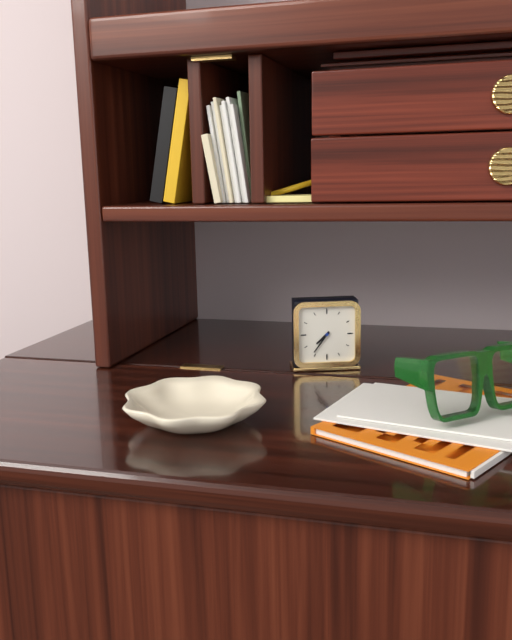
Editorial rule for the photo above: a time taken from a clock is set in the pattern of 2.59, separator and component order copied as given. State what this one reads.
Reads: 7.36
